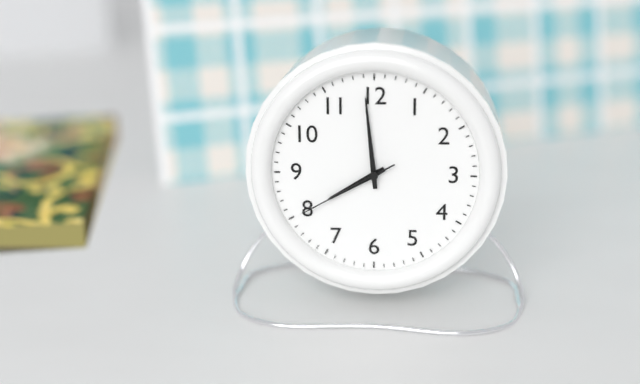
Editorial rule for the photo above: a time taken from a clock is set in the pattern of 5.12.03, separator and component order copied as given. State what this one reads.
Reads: 7.59.40
